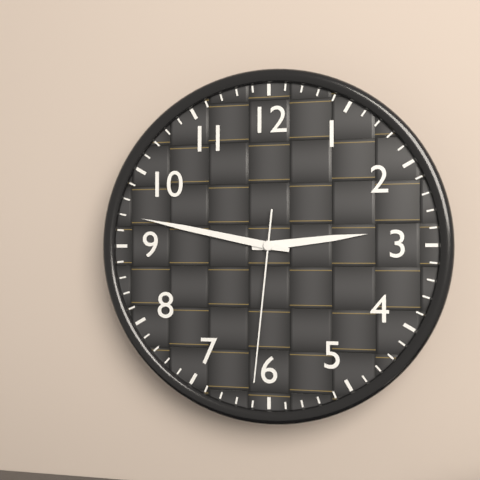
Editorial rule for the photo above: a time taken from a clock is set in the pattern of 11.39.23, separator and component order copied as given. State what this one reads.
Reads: 2.47.31
